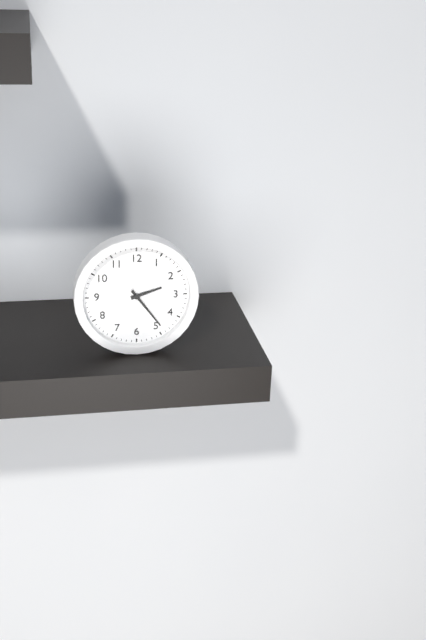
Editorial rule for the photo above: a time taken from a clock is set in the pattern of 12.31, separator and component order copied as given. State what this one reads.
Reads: 2.24
